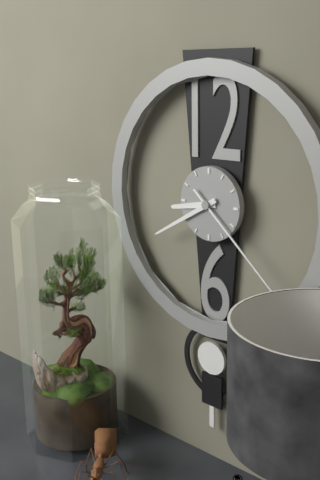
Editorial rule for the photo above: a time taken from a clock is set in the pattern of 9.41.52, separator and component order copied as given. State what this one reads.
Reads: 8.40.22
